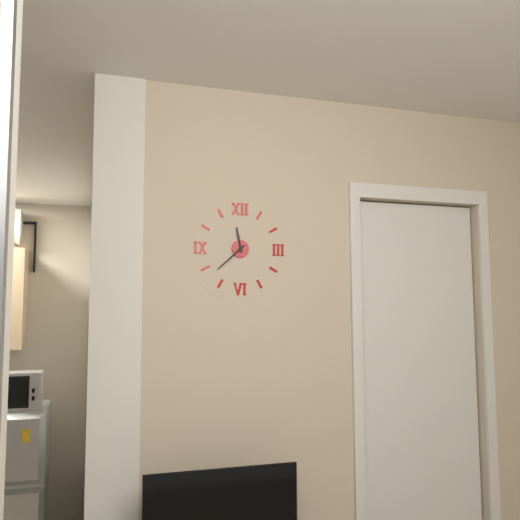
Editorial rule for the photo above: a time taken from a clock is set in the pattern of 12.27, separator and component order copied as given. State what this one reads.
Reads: 11.38
